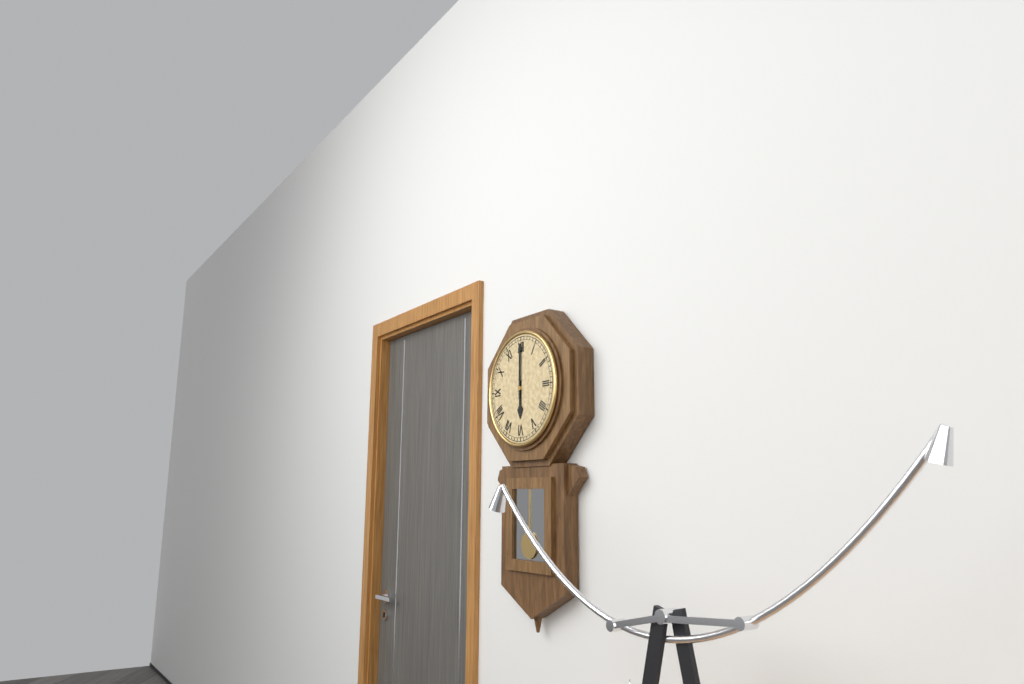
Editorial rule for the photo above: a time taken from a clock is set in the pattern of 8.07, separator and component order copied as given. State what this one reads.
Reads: 6.00
